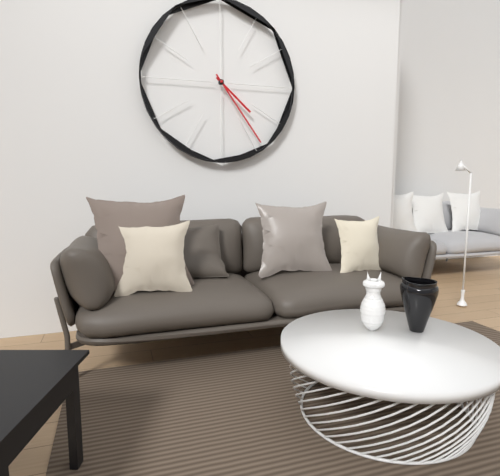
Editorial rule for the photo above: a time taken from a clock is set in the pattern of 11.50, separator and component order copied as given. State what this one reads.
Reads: 4.24
